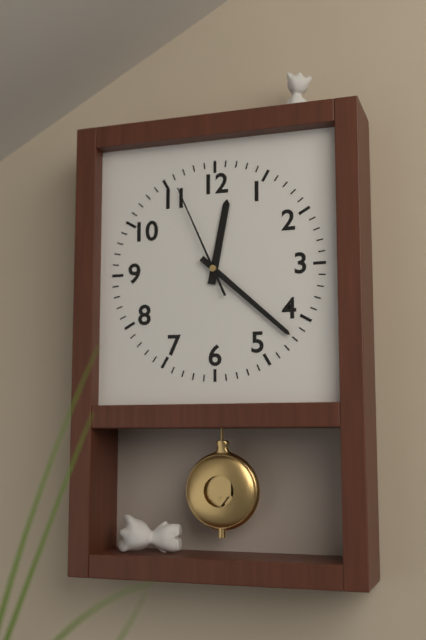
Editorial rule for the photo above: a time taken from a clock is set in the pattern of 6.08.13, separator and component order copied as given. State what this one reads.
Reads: 12.22.56
